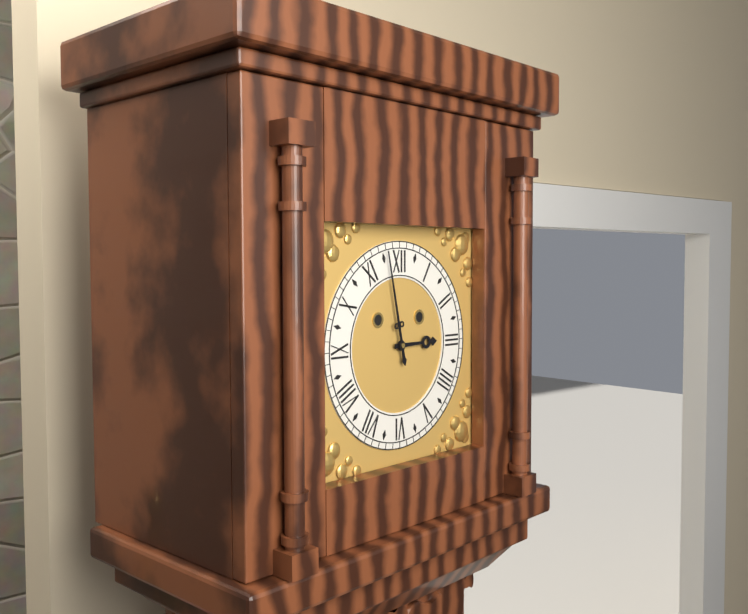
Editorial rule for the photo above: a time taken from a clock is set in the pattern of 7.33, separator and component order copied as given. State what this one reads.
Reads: 2.58
